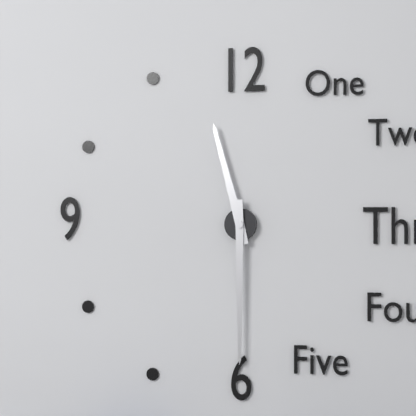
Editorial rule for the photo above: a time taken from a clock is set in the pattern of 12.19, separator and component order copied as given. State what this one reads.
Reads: 11.30
